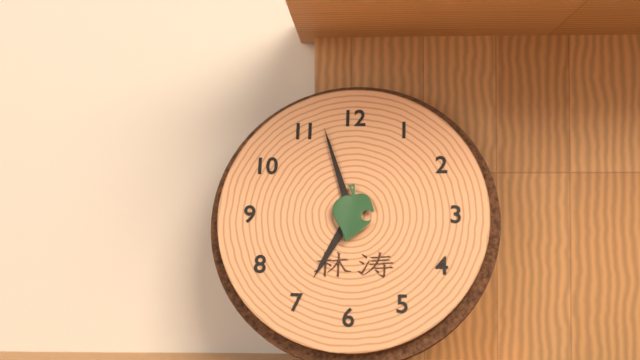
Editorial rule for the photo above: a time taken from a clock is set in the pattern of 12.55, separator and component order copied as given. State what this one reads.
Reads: 6.57
